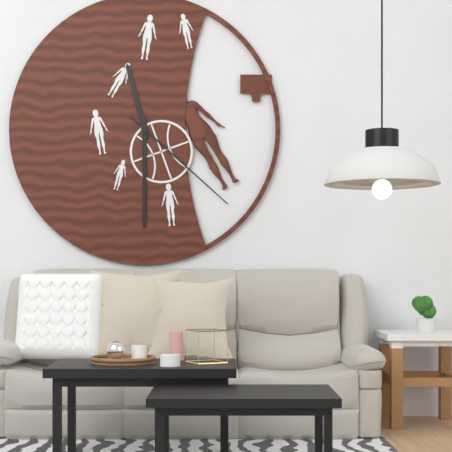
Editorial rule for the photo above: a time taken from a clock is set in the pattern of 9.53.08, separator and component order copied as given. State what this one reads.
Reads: 11.30.22
